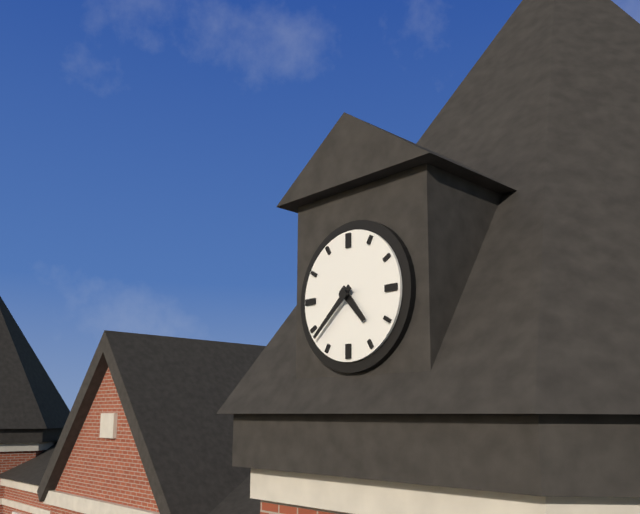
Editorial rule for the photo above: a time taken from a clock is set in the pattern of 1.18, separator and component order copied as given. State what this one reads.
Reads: 4.38
